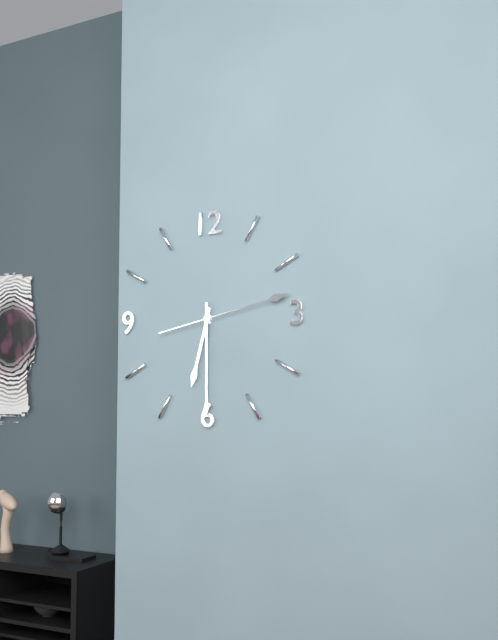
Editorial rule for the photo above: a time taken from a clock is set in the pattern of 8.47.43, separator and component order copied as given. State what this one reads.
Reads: 6.30.13
